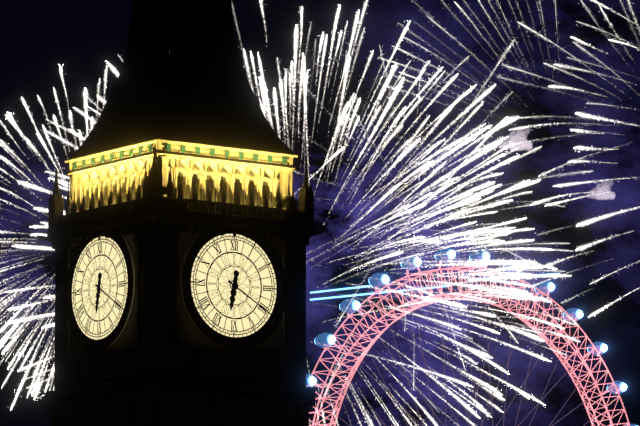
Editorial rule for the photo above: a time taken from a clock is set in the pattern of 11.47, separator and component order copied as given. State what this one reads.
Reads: 6.20
